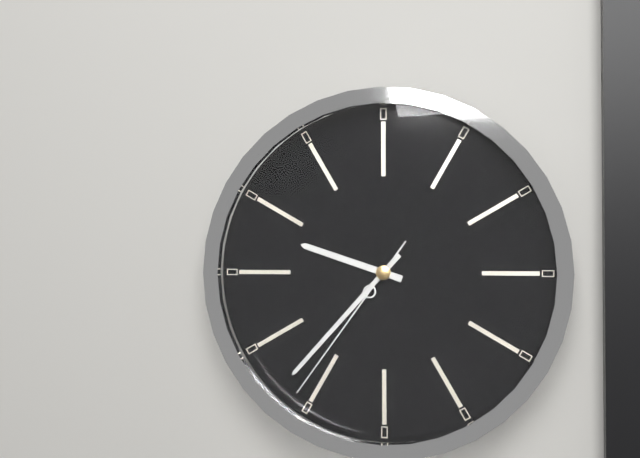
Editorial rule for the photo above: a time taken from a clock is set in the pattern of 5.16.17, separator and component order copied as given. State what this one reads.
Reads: 9.37.36
